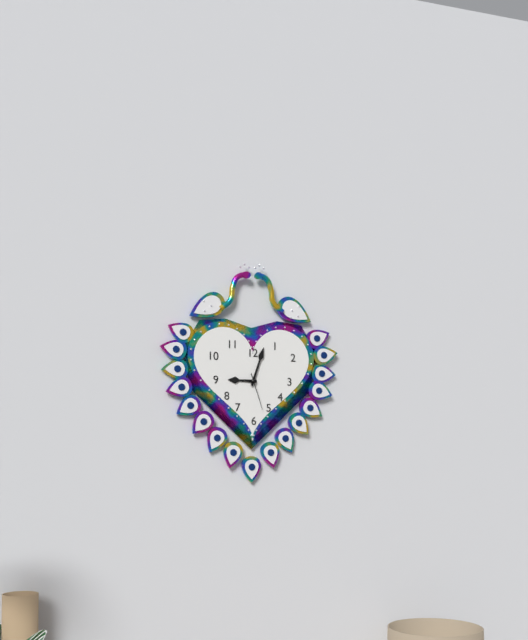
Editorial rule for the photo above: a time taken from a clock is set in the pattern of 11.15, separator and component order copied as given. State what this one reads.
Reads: 9.03
